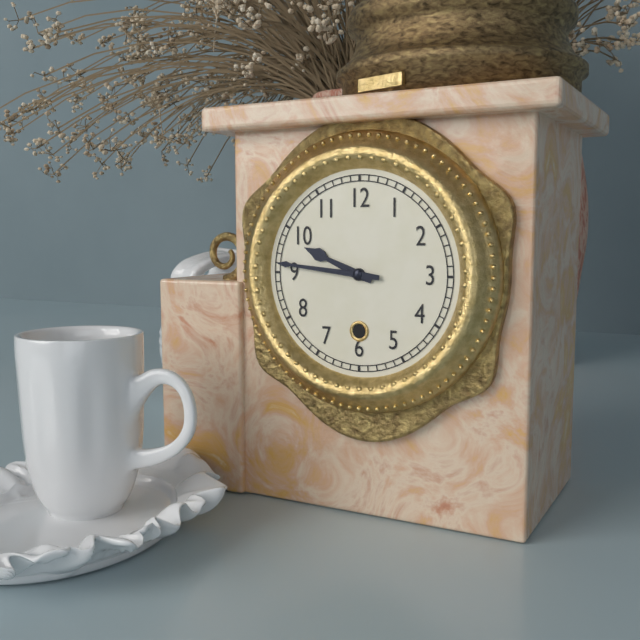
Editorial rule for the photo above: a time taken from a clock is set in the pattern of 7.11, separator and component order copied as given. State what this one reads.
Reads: 9.46
